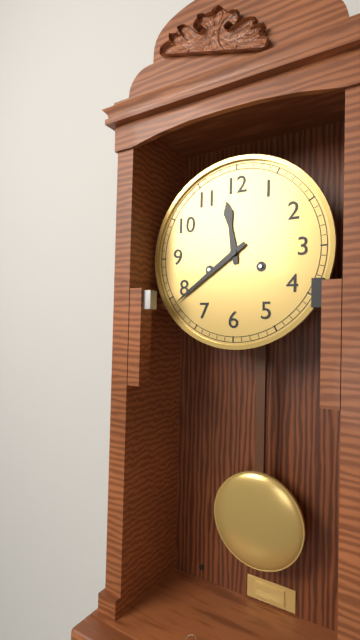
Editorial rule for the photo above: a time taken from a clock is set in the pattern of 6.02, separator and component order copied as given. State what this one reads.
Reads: 11.39
